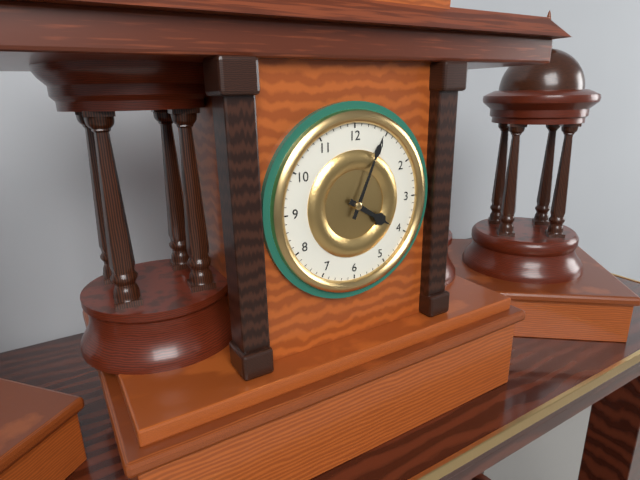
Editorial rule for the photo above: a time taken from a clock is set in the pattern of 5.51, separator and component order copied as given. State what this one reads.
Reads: 4.04
